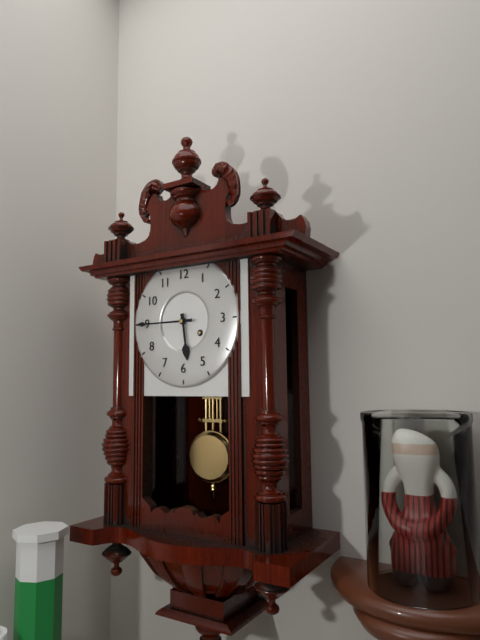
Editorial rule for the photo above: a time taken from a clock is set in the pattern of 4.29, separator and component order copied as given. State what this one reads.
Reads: 5.45
